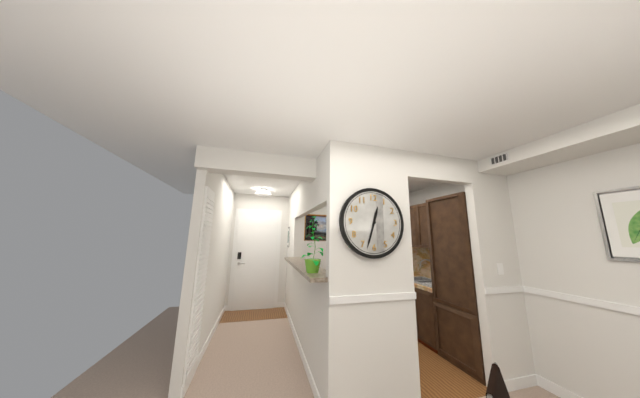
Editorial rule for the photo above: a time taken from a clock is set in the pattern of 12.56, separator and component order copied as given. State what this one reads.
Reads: 12.33
